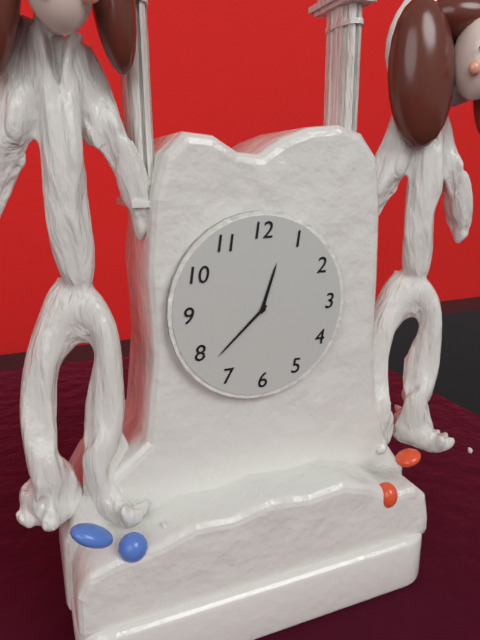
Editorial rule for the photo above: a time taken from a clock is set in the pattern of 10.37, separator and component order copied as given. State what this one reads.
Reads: 12.38
